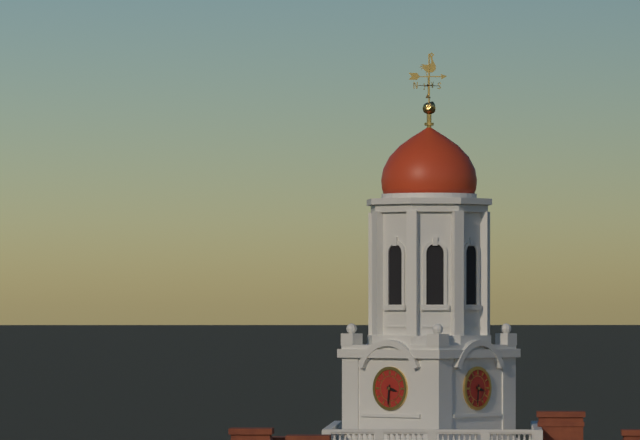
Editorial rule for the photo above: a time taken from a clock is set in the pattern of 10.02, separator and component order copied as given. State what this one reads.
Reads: 3.31
